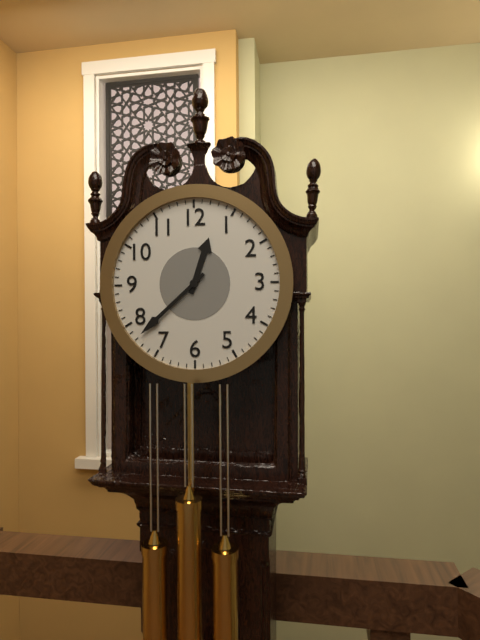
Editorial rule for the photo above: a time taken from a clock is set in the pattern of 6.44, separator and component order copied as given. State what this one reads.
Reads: 12.38
